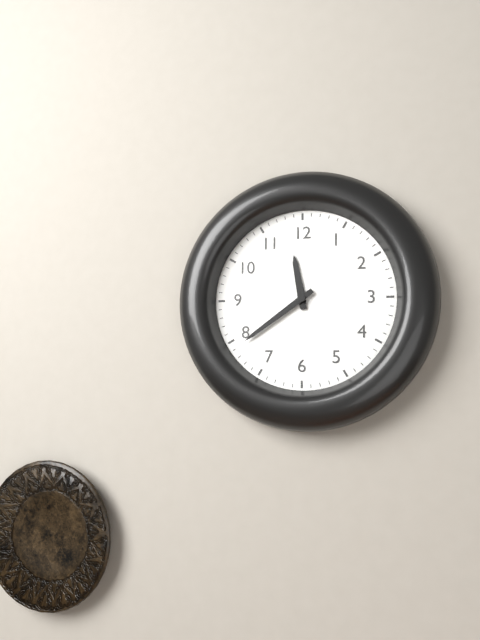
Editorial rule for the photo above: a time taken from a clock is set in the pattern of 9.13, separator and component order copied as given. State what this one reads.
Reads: 11.39
